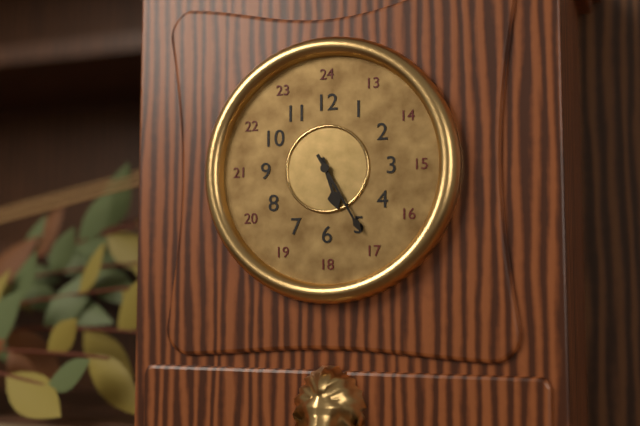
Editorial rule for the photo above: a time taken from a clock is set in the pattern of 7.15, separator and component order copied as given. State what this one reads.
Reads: 5.25
